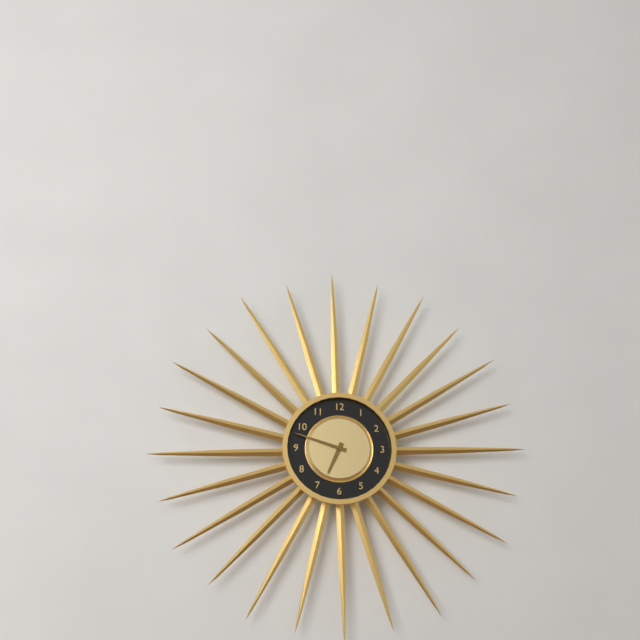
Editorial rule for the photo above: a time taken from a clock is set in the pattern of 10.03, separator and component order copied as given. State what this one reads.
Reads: 6.48
